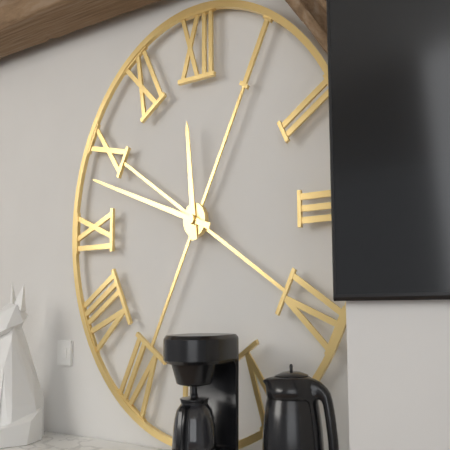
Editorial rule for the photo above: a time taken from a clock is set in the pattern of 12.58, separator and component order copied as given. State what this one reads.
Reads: 11.48
